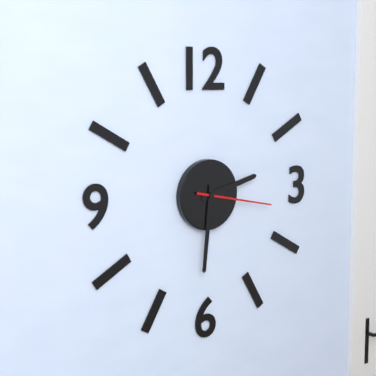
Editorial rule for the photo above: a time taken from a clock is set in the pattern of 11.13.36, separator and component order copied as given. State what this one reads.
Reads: 2.31.17
